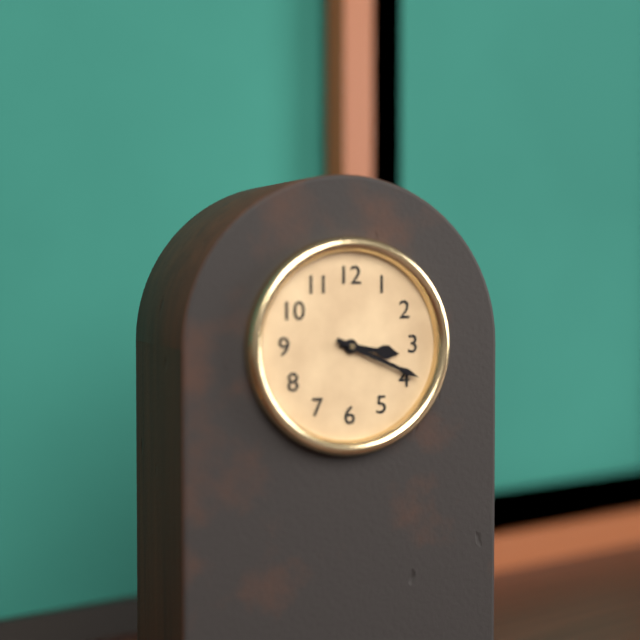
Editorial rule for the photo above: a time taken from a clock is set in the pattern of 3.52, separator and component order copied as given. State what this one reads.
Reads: 3.19
